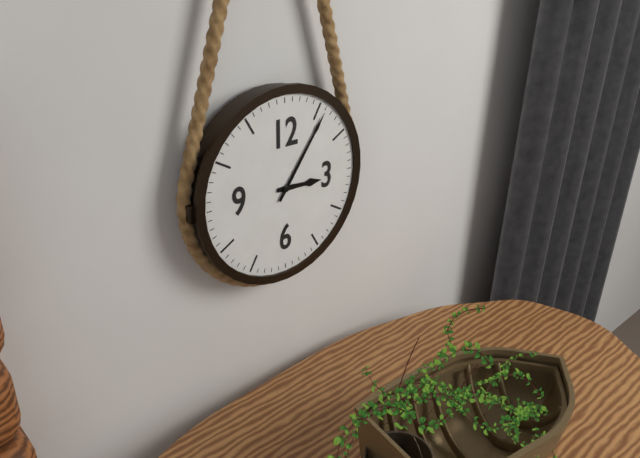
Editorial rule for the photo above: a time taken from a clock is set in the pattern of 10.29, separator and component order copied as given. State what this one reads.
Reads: 3.06
